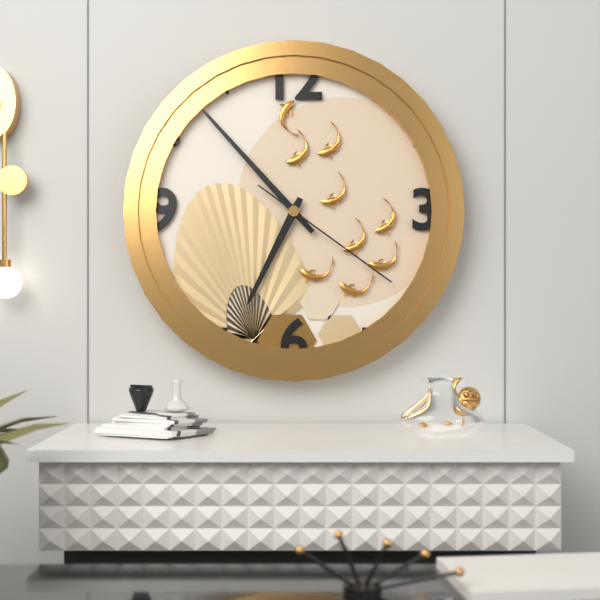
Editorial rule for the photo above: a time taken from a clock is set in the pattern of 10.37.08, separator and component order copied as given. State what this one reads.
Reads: 6.53.21
